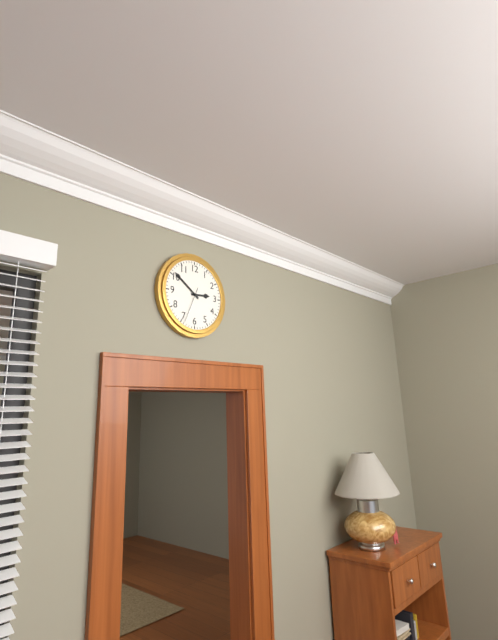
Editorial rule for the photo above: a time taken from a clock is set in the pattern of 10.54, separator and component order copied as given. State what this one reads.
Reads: 2.51
